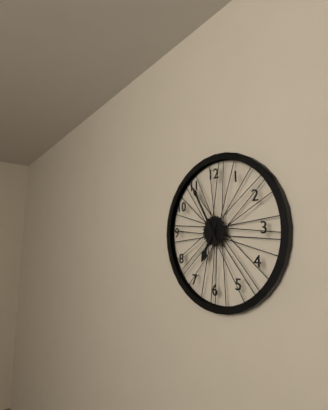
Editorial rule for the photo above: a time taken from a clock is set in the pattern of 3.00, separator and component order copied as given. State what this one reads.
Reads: 6.55
